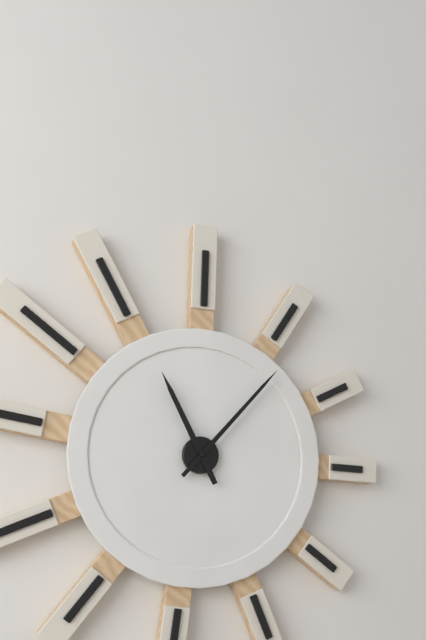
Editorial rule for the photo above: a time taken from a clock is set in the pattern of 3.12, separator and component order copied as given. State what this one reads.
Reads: 11.07
